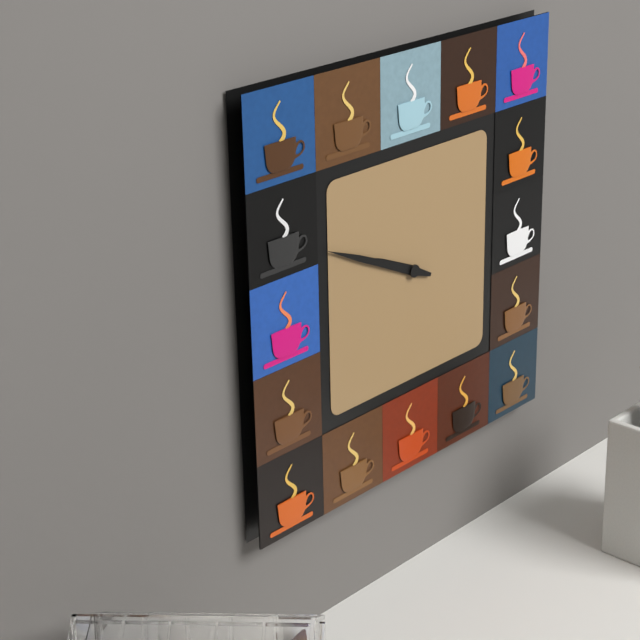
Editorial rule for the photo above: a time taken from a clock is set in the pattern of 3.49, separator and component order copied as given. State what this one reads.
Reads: 9.49
